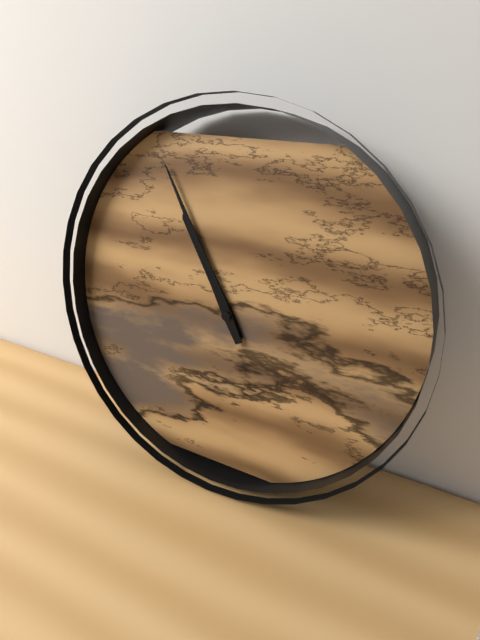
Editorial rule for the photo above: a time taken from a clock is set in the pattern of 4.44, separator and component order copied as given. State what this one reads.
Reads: 10.55
